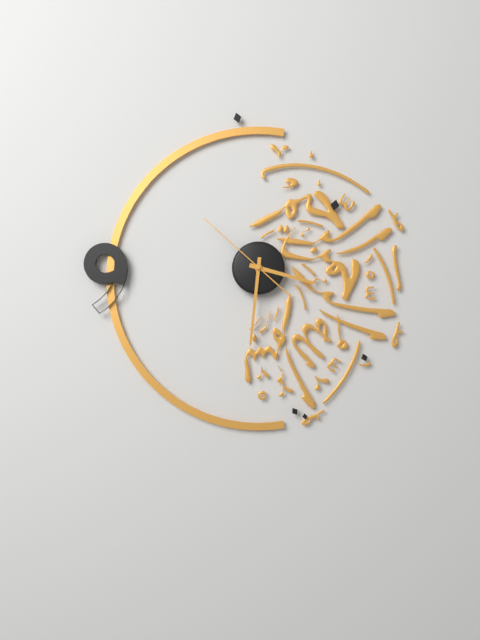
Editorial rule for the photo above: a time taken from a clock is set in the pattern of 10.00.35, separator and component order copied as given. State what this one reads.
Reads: 3.31.52
